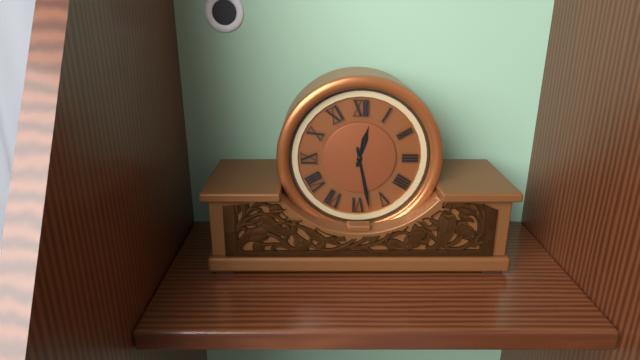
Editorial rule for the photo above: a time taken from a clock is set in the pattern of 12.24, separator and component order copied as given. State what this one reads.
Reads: 12.28
